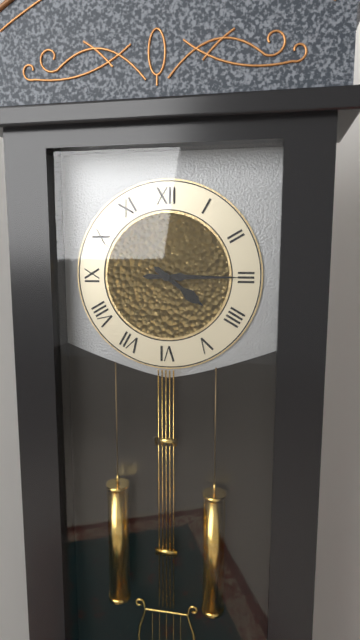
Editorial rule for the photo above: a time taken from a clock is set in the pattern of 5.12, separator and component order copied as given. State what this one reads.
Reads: 4.15
